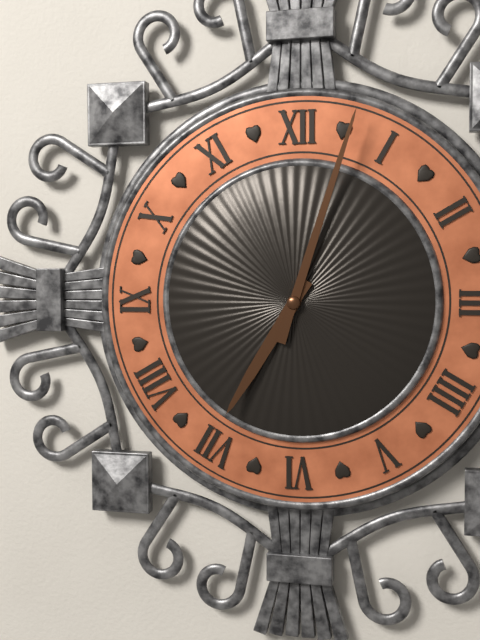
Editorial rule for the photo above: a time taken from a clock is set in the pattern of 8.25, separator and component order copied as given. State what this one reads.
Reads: 7.03
